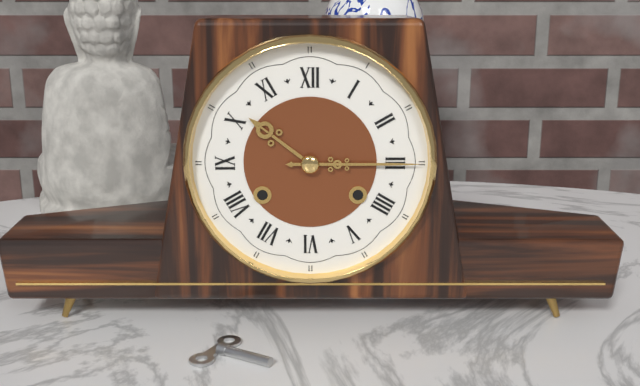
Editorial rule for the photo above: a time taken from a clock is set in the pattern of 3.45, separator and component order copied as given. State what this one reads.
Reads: 10.15
